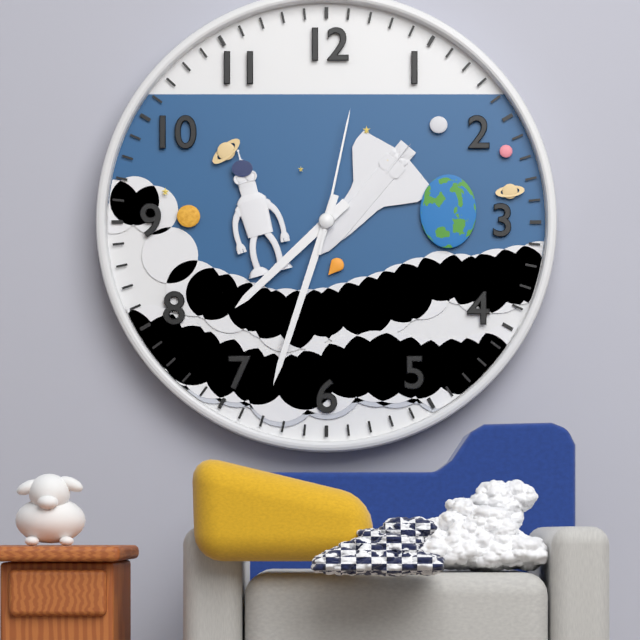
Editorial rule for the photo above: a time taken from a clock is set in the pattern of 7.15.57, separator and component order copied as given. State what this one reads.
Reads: 7.33.02
